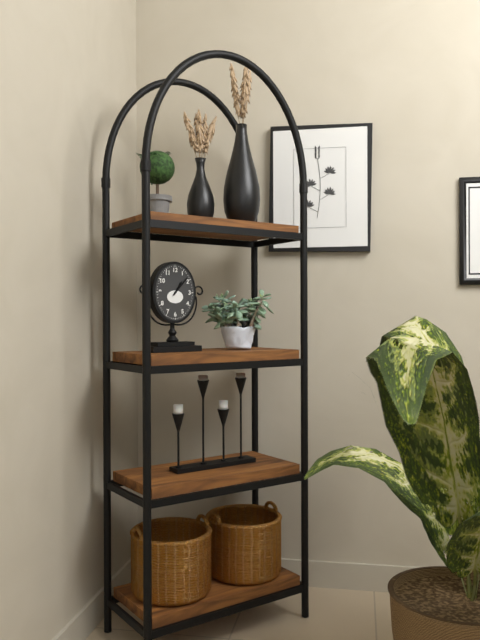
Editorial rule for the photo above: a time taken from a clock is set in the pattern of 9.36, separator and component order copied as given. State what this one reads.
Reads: 1.07
